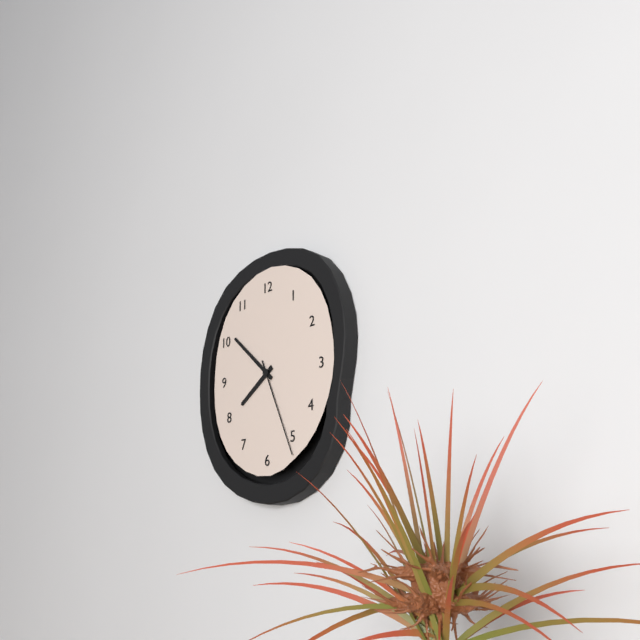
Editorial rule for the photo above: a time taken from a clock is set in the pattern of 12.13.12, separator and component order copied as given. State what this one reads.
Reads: 7.52.26
